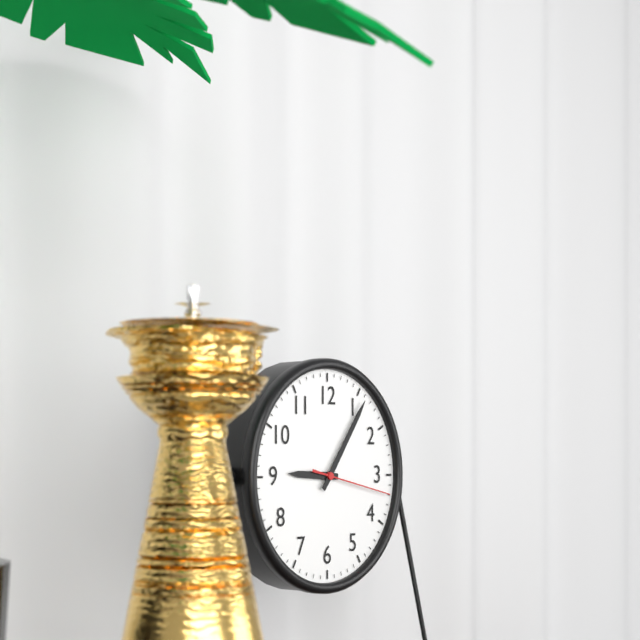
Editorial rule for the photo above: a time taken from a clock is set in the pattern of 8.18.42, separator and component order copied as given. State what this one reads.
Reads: 9.06.17
